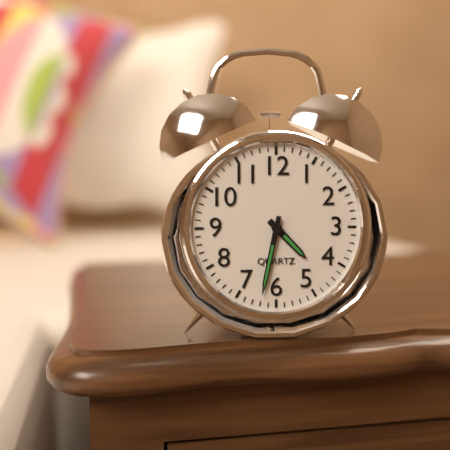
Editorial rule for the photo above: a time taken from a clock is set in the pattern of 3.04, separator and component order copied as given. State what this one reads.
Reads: 4.32
